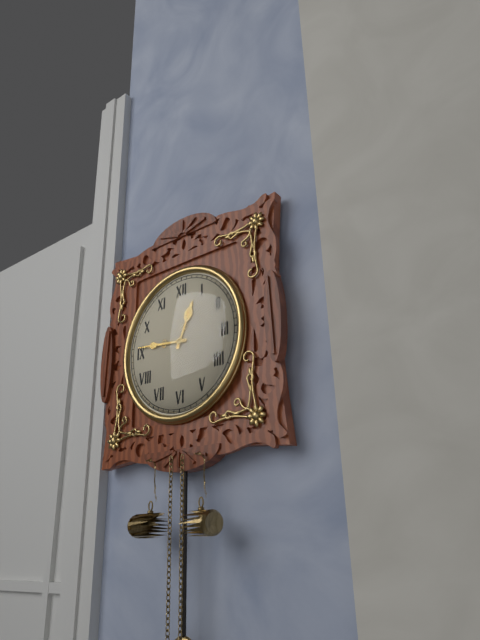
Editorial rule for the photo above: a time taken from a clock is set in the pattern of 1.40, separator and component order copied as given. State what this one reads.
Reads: 12.46
